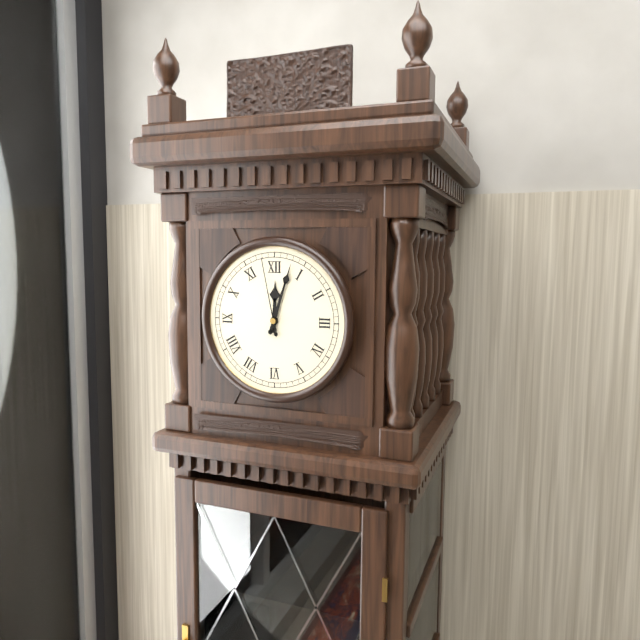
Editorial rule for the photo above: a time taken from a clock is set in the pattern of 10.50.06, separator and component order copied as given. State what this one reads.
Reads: 12.03.58
